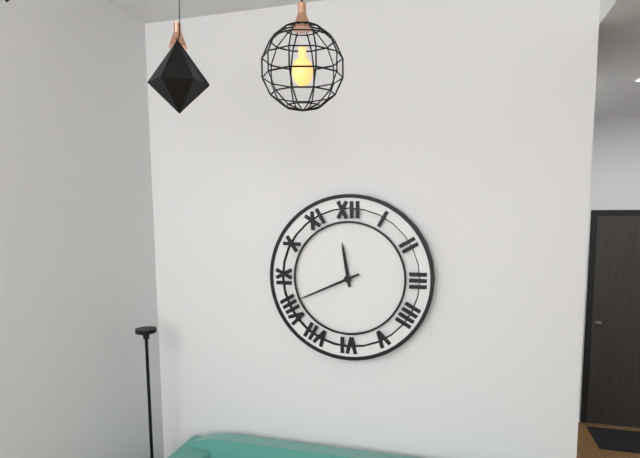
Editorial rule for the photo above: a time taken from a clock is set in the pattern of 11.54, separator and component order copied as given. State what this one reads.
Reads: 11.41
